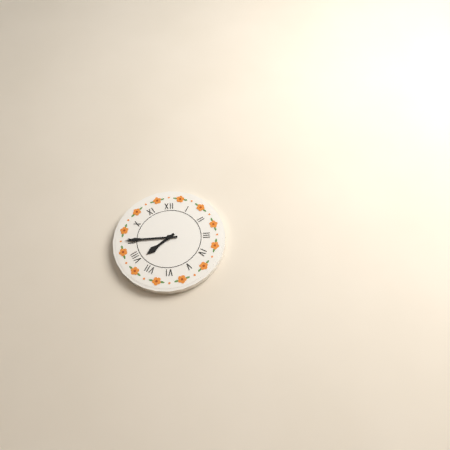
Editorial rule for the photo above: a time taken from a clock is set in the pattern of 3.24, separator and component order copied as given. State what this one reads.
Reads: 7.45
